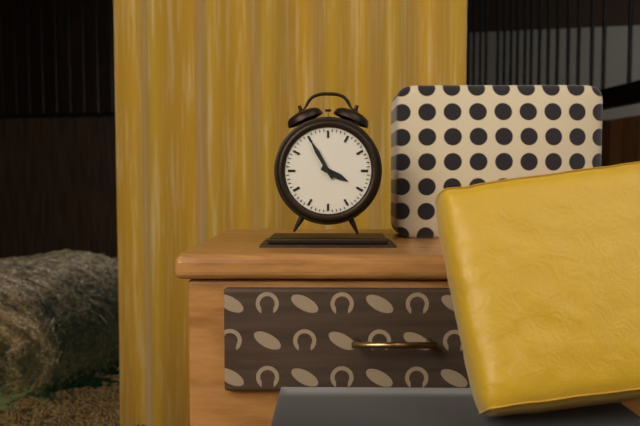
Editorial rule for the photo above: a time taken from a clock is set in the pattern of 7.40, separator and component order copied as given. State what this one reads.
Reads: 3.55
